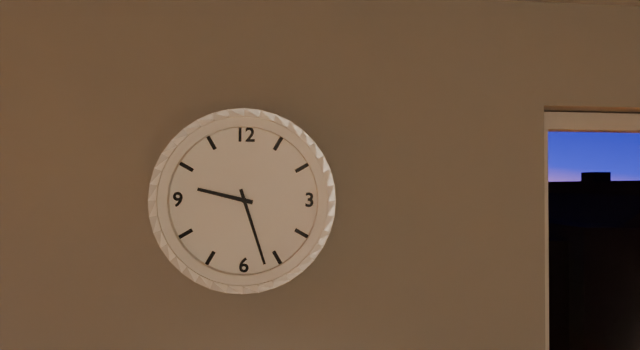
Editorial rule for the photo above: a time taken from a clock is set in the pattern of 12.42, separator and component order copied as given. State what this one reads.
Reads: 9.27
